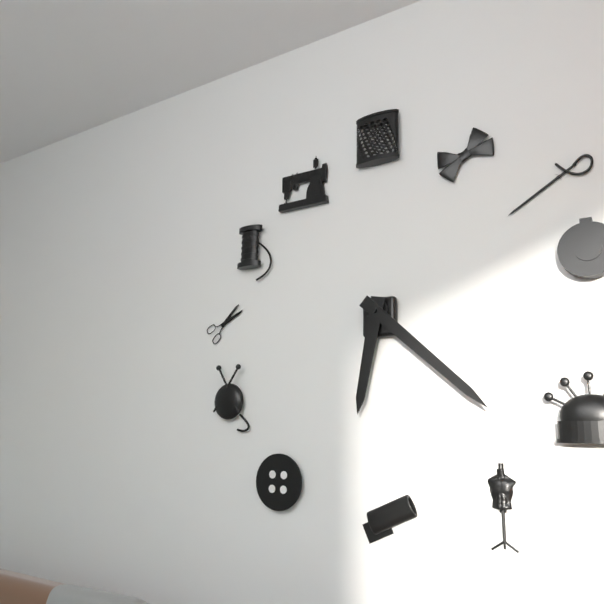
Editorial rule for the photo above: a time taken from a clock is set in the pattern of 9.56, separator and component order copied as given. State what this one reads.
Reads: 6.22
